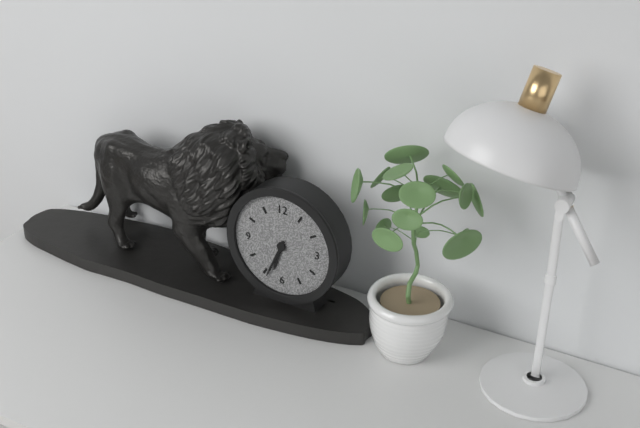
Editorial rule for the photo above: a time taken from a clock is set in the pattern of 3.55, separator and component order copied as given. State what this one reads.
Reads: 6.34
